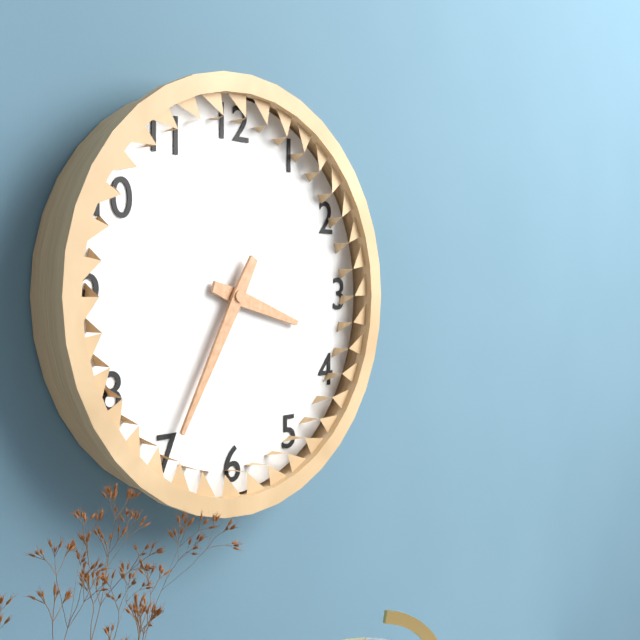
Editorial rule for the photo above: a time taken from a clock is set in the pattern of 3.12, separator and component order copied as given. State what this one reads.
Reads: 3.35
